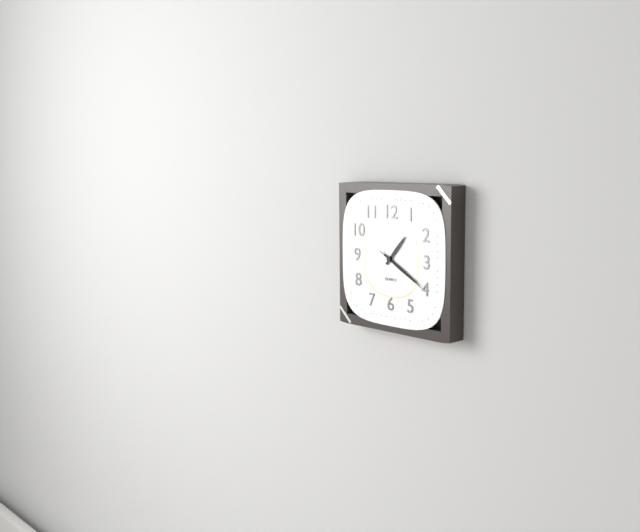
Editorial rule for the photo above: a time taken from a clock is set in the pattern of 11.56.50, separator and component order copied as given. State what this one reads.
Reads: 1.20.20
